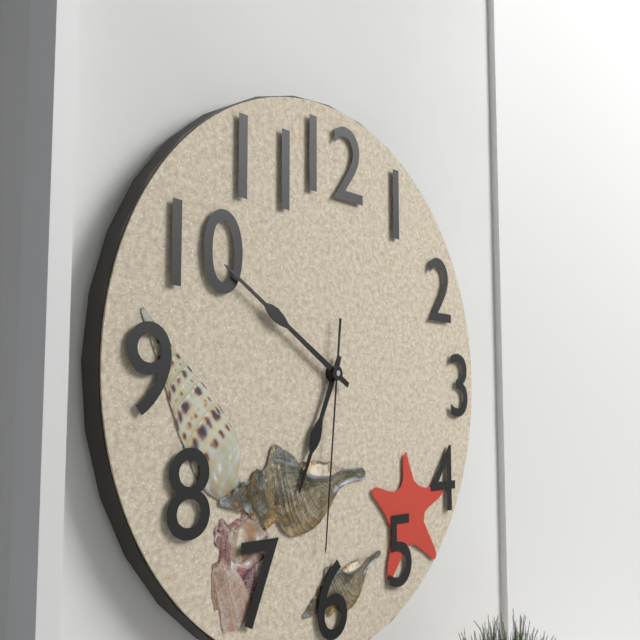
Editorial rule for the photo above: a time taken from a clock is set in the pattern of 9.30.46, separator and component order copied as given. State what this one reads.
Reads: 6.50.31
